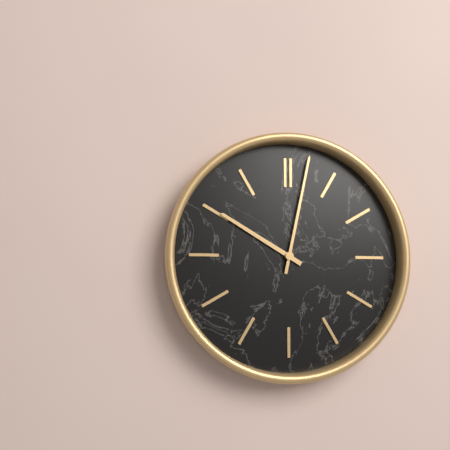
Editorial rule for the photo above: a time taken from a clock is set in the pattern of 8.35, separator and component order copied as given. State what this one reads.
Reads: 10.02
